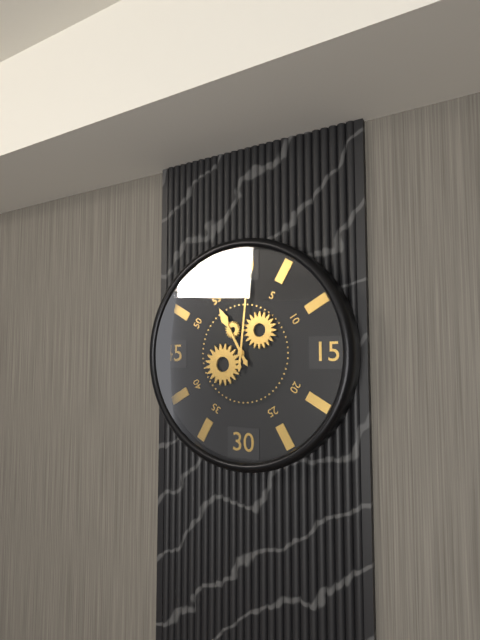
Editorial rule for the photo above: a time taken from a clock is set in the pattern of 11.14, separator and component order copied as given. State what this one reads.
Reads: 11.01
